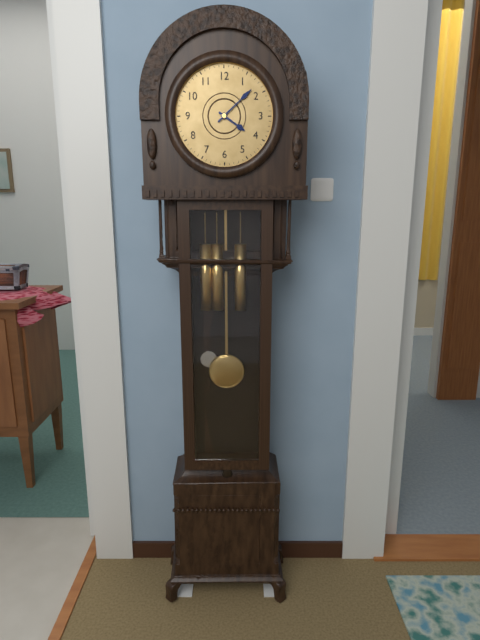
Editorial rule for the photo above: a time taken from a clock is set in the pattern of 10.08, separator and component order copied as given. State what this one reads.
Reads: 4.08
